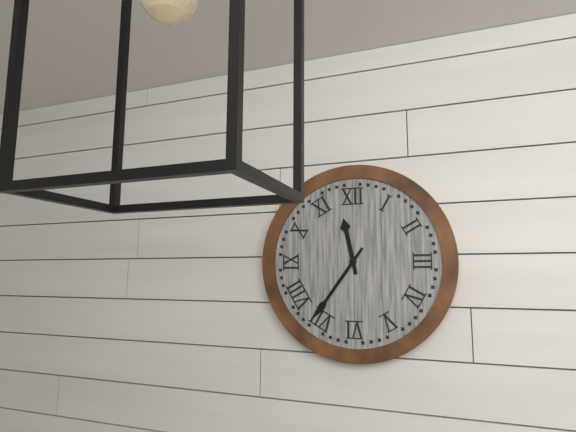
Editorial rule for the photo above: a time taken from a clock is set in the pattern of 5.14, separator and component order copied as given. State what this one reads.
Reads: 11.36
